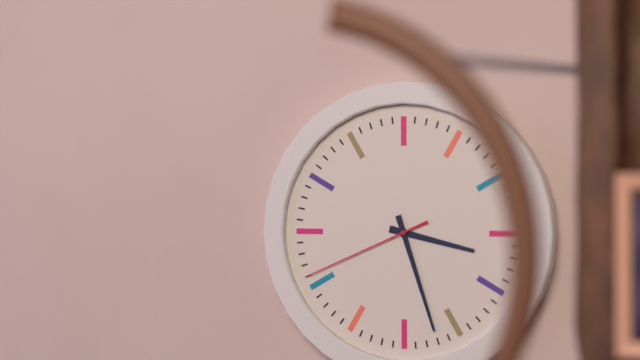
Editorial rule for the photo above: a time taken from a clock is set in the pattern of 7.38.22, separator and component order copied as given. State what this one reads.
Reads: 3.27.41
